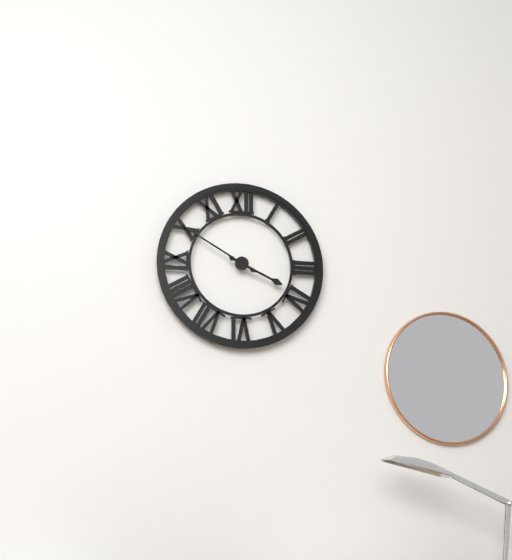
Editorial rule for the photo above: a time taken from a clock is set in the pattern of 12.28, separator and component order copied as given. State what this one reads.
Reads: 3.50
